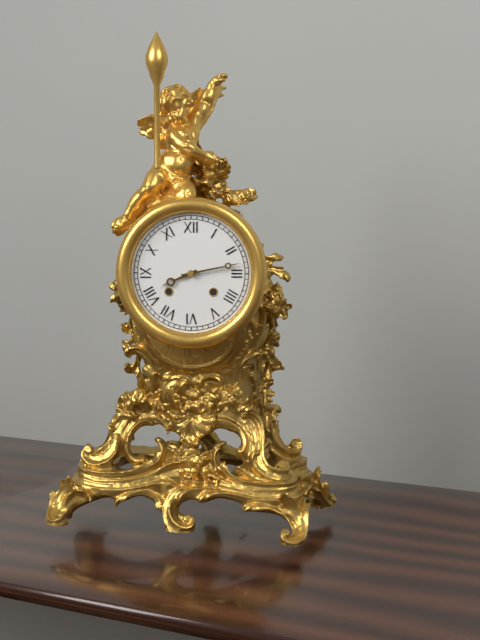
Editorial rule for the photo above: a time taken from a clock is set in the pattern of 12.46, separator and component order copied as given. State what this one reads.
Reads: 8.13
